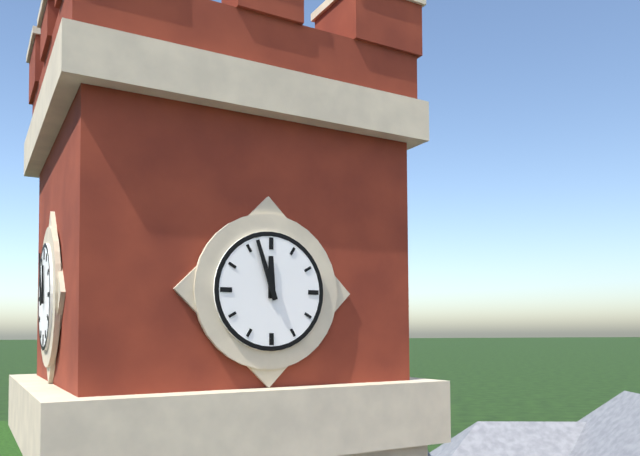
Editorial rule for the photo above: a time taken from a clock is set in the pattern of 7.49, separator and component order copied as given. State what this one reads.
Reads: 11.57
